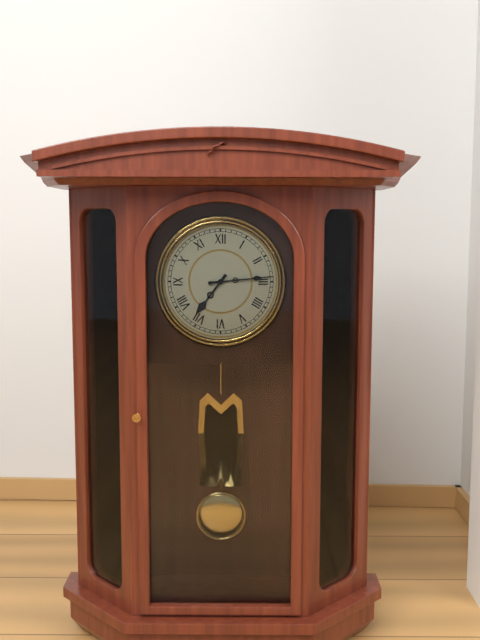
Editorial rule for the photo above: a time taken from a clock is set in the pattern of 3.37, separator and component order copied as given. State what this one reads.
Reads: 7.14
